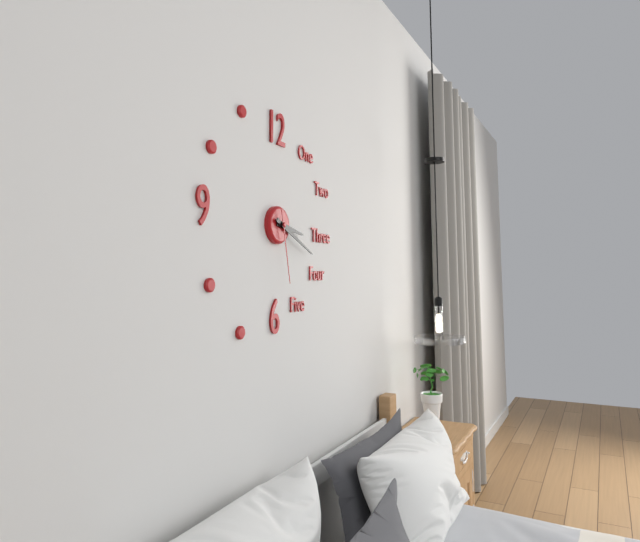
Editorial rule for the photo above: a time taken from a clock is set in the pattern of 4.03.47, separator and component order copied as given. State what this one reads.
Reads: 3.19.28
